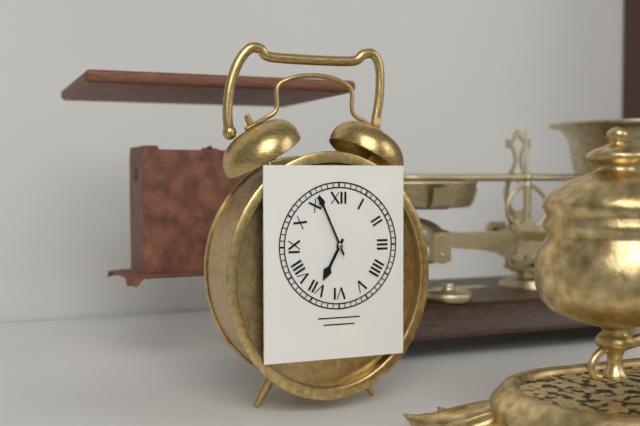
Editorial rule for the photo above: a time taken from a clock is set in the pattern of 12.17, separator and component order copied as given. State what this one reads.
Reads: 6.56
